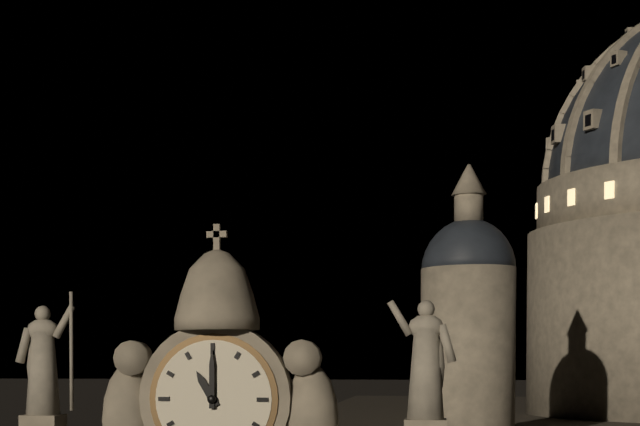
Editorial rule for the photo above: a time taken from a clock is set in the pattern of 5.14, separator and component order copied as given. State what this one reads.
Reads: 11.00
